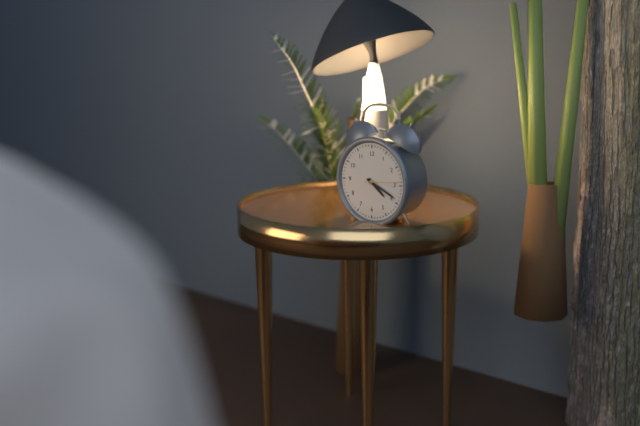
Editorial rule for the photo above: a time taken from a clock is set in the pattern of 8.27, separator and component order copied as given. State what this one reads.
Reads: 4.19
